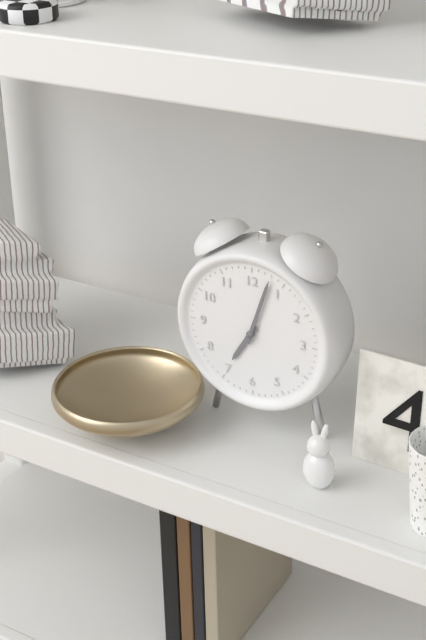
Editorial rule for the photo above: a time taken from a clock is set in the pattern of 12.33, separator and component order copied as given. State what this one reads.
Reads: 7.03
